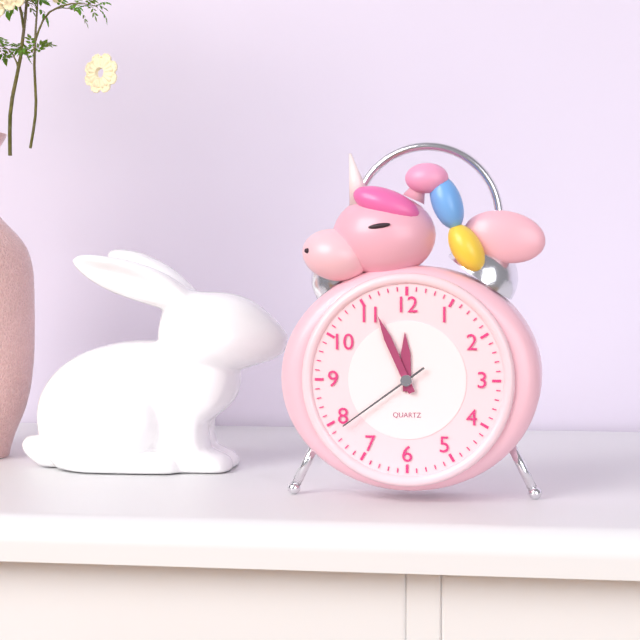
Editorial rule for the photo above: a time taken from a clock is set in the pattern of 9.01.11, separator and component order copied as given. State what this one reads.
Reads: 11.56.39
